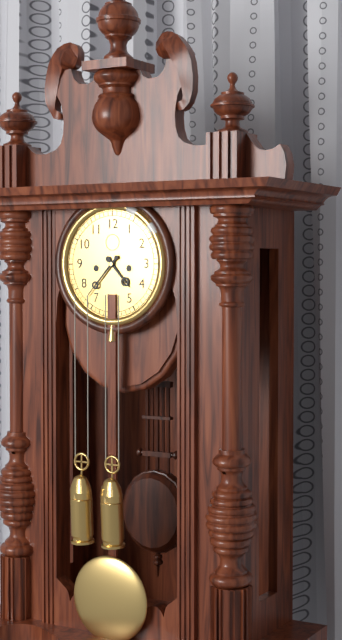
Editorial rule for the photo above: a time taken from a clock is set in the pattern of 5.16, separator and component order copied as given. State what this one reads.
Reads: 4.37
